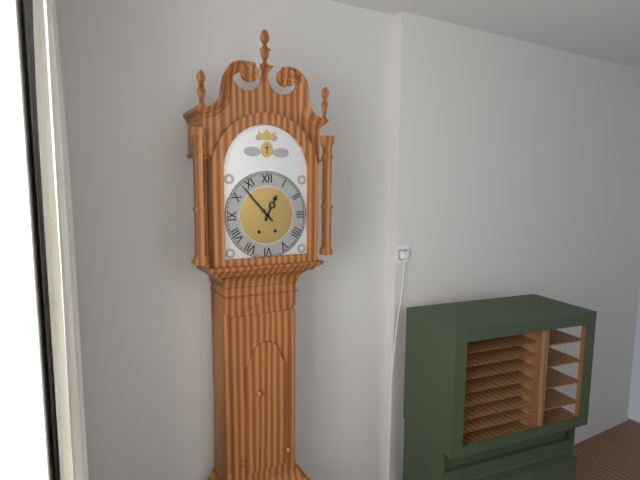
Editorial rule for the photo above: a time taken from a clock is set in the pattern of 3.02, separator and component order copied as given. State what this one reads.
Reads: 12.53
